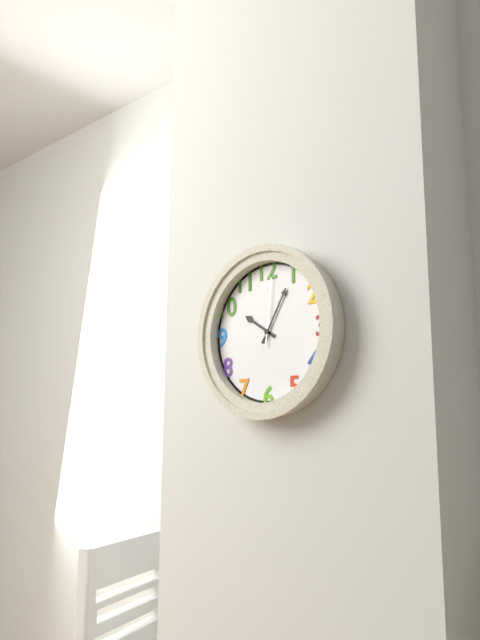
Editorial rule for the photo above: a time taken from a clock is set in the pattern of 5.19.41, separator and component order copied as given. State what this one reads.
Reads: 10.05.01
